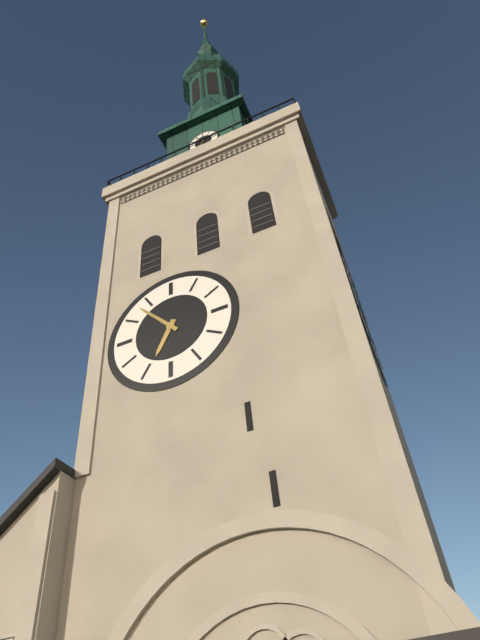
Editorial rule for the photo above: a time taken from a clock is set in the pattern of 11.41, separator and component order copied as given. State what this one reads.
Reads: 6.53
